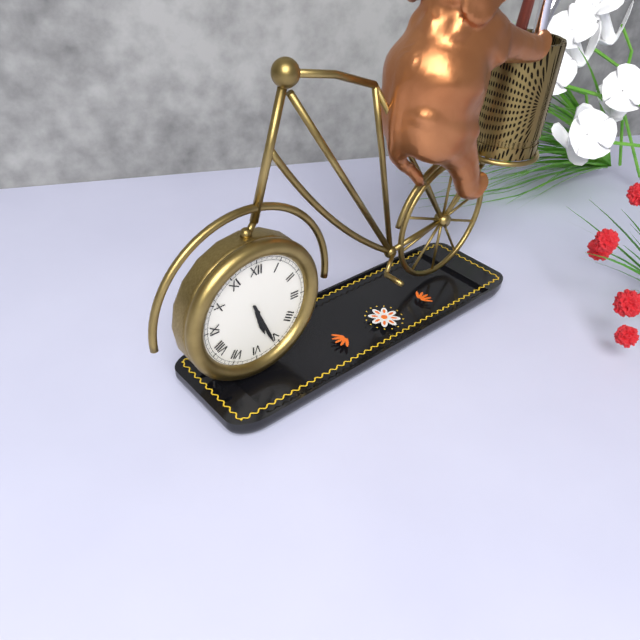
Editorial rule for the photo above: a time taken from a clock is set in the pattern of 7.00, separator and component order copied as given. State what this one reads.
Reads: 5.26
